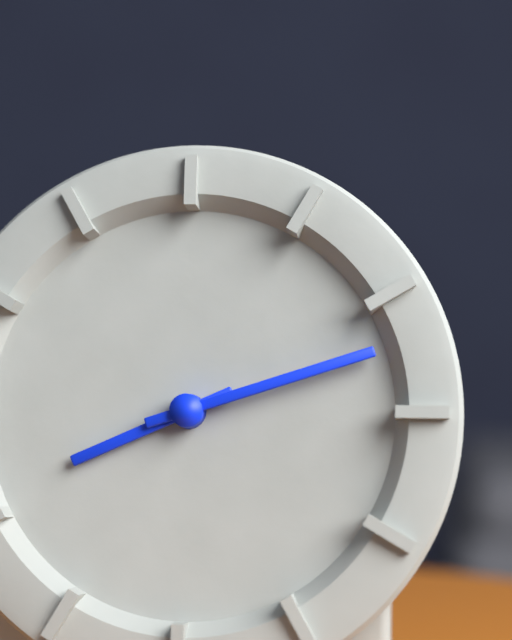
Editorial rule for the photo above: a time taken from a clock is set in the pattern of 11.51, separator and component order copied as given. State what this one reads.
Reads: 8.12
